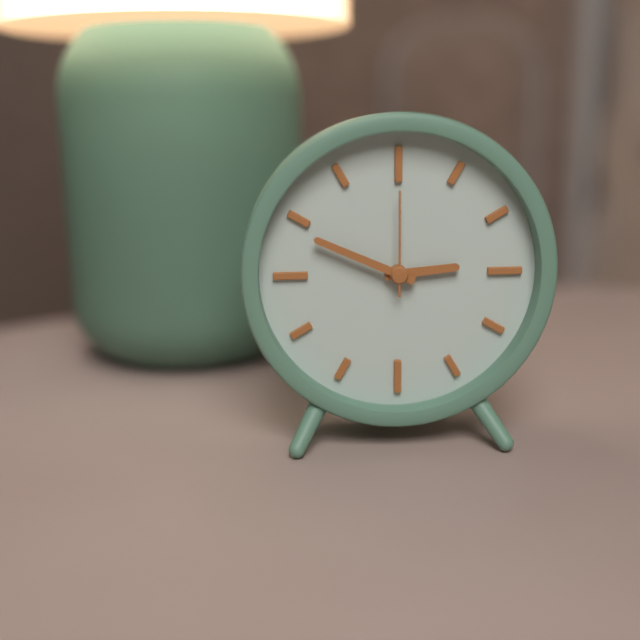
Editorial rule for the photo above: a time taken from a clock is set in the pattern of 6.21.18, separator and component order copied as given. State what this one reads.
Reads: 2.49.00
